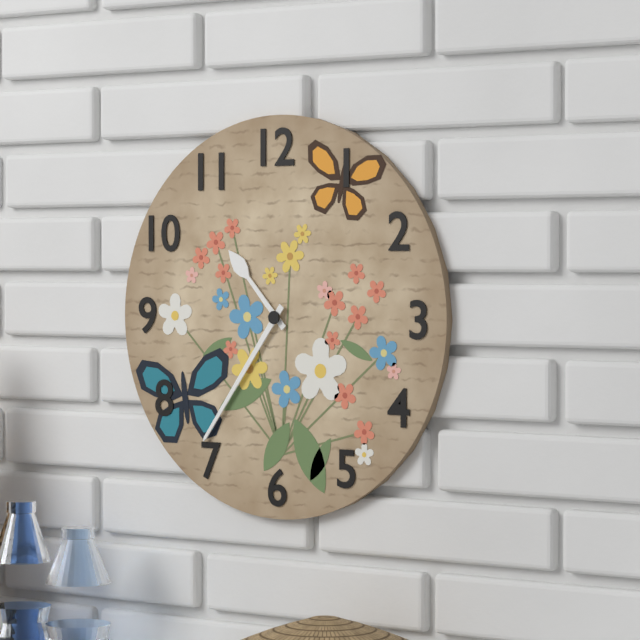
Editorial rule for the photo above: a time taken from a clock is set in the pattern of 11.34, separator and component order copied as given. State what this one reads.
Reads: 10.36
